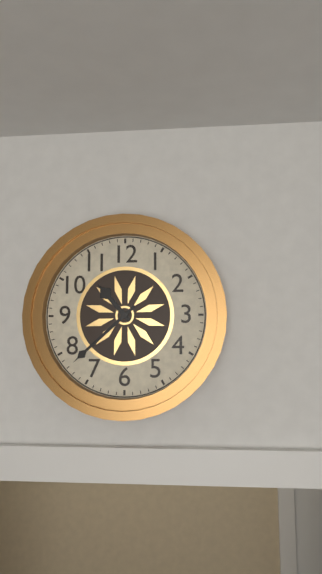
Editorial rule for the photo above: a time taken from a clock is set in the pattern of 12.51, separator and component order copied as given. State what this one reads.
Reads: 10.38
